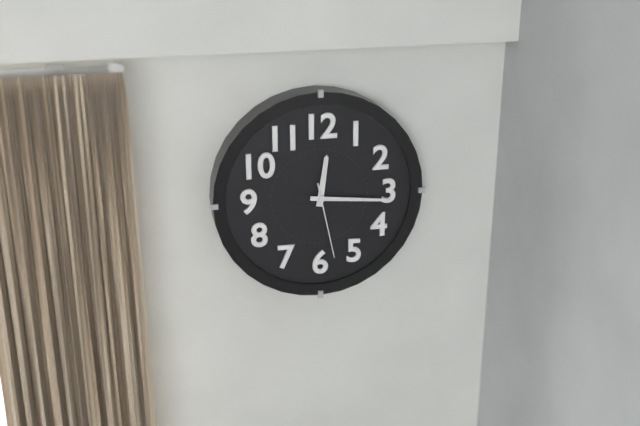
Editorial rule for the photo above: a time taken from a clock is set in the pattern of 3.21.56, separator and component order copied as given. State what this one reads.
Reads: 12.16.28
